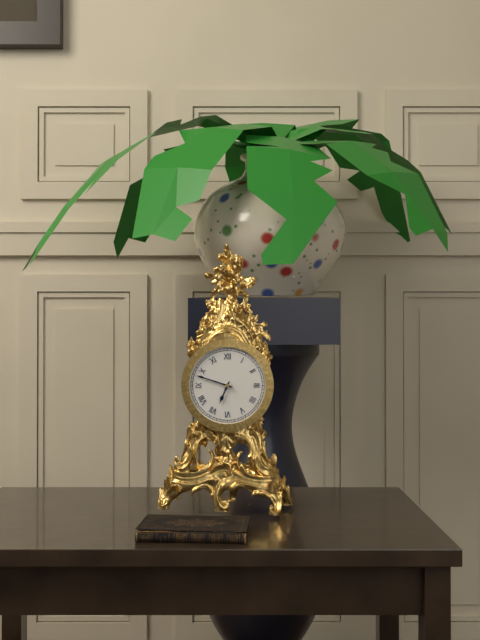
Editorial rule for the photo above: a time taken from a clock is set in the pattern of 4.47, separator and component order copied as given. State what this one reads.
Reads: 6.48
